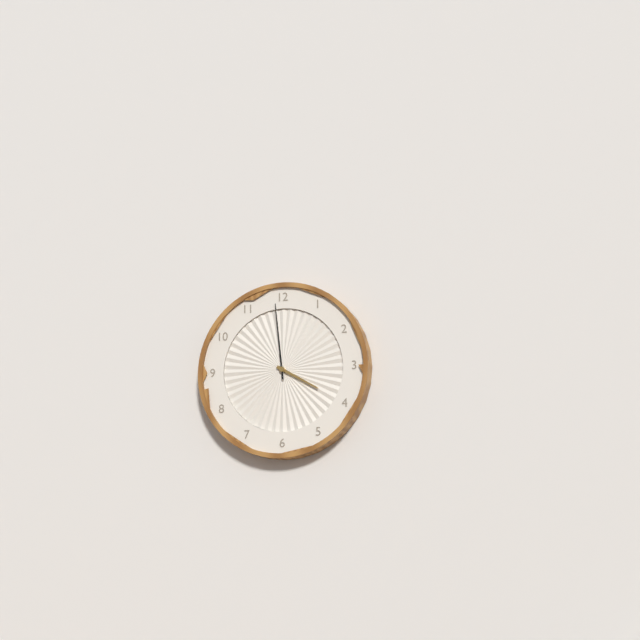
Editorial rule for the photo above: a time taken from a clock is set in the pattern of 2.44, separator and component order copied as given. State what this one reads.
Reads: 3.59
